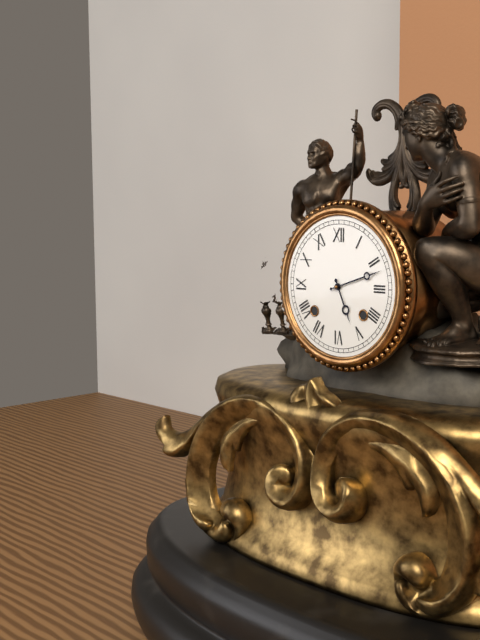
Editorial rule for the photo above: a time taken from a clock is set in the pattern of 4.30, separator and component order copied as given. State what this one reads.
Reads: 5.12
